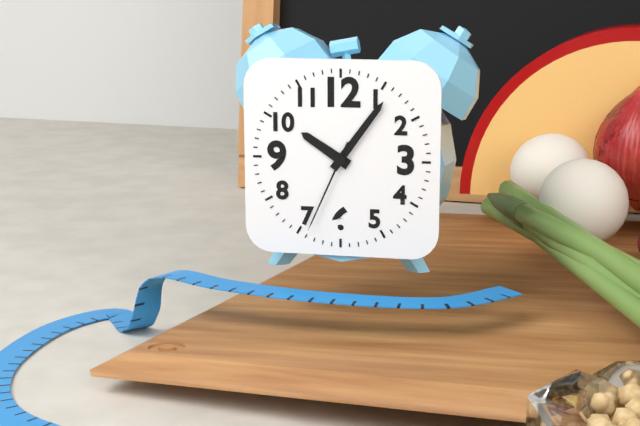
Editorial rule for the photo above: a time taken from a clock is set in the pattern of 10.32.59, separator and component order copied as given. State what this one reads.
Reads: 10.06.34
